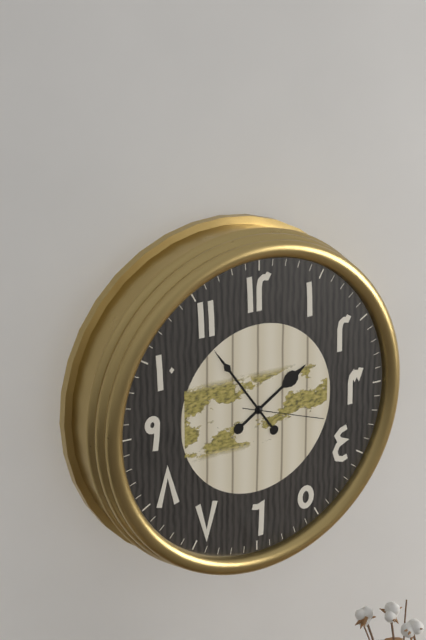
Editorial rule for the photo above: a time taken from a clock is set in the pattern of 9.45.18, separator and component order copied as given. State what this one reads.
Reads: 1.54.18
